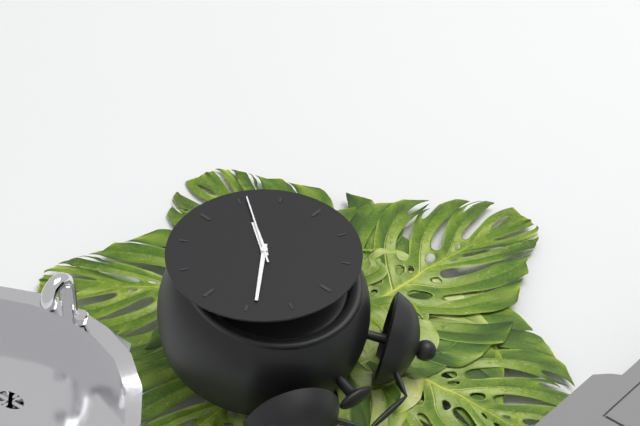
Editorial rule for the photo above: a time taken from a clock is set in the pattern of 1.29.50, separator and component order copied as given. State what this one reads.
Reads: 7.09.36
